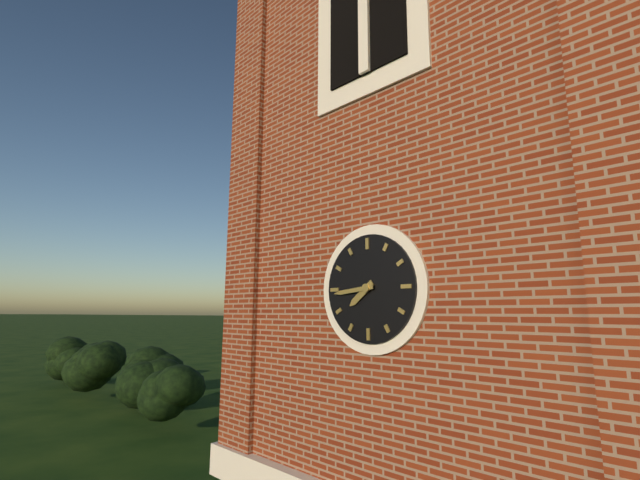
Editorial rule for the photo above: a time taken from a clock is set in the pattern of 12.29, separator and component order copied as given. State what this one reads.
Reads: 7.44
